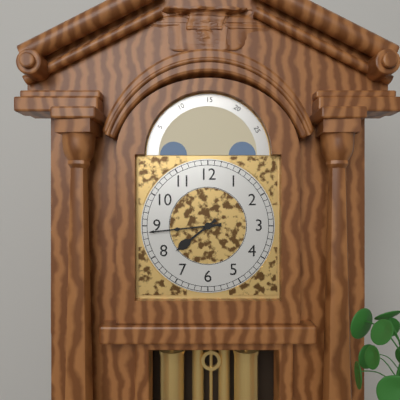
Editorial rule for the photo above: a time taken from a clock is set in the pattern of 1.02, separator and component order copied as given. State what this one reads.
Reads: 7.44
